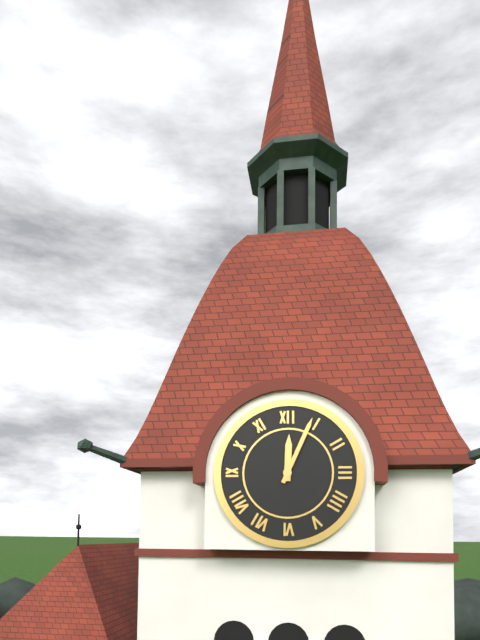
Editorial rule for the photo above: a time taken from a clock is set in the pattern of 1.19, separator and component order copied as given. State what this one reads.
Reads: 12.04
